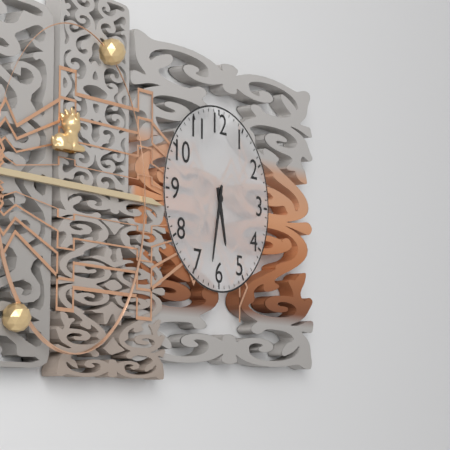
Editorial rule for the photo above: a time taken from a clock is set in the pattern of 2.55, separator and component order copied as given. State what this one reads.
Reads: 5.32
